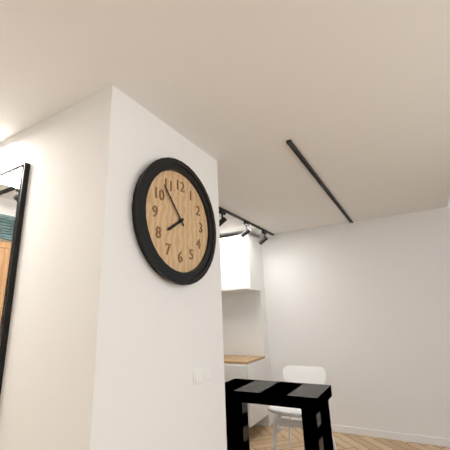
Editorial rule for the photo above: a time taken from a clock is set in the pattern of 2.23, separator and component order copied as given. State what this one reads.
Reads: 7.53
